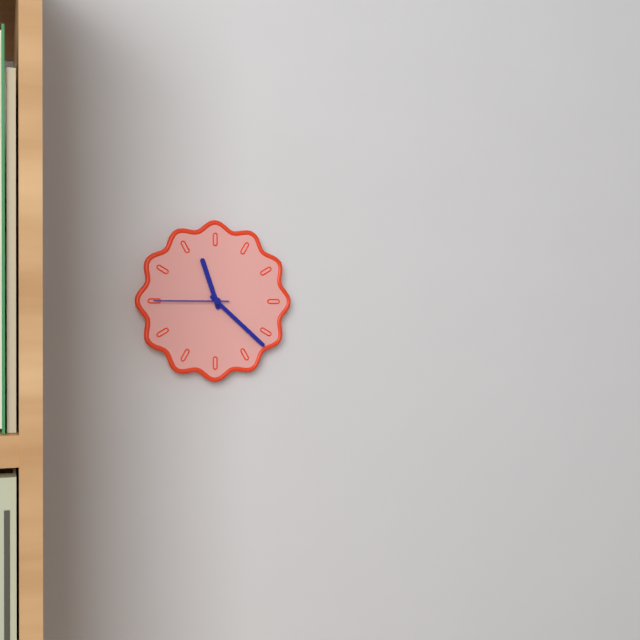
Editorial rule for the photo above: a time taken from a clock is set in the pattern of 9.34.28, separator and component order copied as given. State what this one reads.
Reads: 11.22.45
